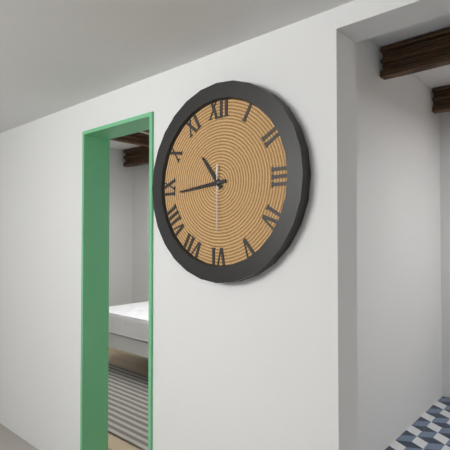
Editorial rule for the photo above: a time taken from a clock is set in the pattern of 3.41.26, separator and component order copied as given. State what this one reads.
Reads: 10.44.30
